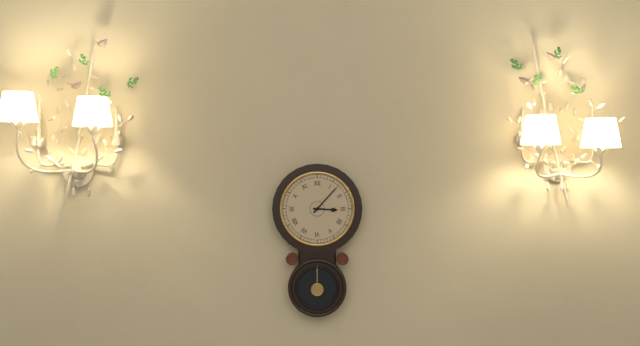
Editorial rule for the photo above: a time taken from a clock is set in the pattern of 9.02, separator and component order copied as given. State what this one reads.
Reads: 3.07
